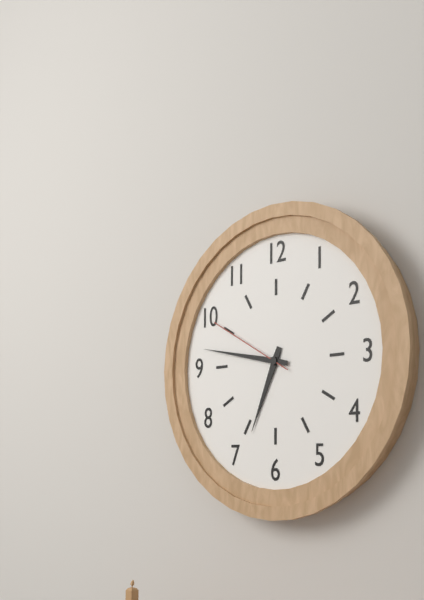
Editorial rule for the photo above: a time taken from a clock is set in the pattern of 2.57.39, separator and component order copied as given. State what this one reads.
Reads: 6.47.50
